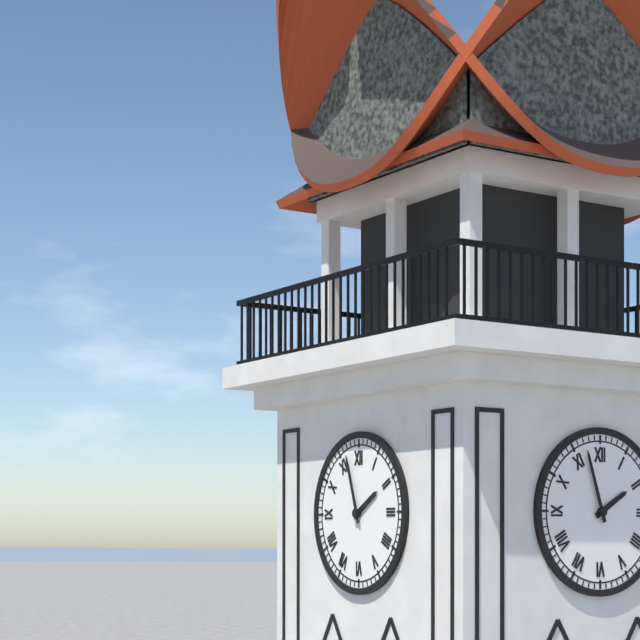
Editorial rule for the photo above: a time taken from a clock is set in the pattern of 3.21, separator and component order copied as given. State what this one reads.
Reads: 1.57
